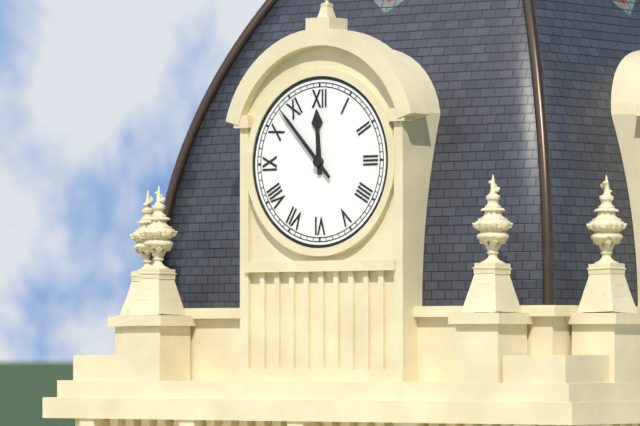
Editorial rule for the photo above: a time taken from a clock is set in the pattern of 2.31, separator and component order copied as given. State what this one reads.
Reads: 11.53
